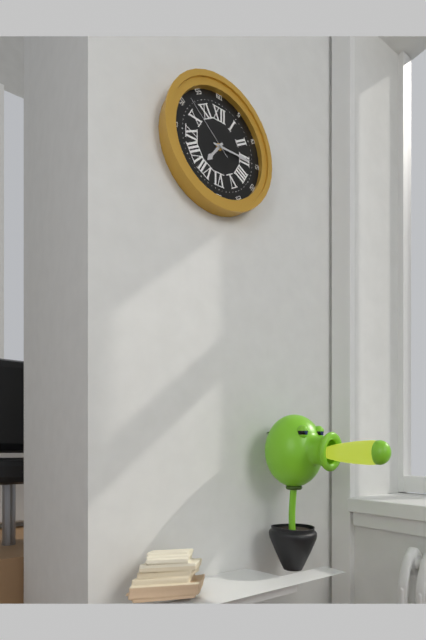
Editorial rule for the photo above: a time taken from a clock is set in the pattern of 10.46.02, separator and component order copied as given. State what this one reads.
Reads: 7.15.52
